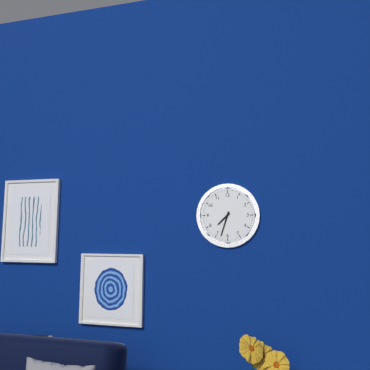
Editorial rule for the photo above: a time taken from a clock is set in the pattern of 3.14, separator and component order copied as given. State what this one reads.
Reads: 7.33
